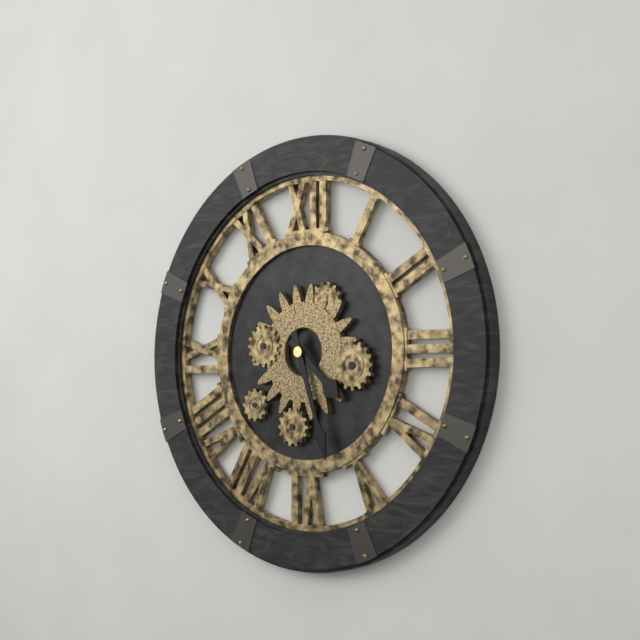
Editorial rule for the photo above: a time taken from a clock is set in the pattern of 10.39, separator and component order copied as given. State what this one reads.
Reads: 4.27
